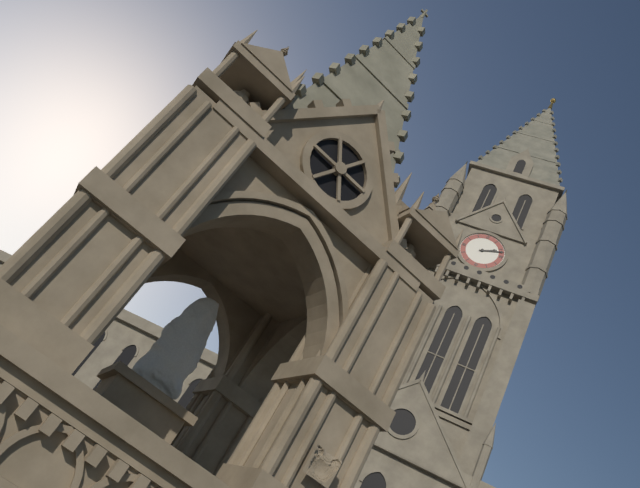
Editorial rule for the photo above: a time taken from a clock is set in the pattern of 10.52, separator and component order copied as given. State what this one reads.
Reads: 2.12
